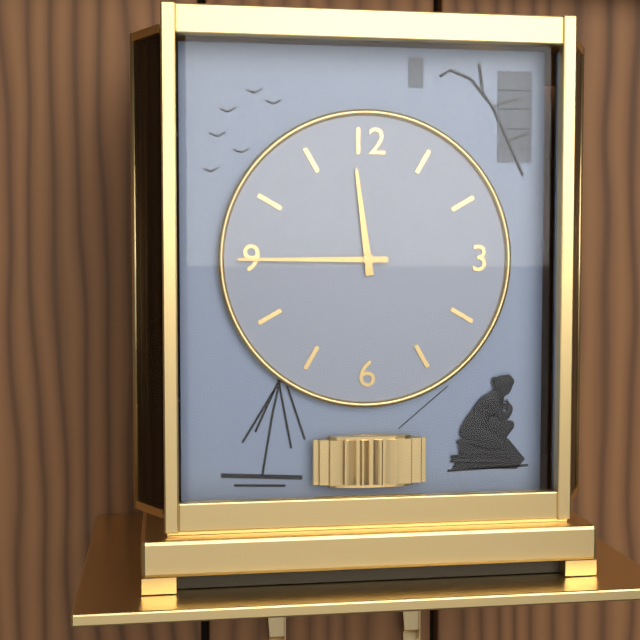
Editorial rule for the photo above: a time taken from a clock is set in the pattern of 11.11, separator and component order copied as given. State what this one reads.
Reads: 11.45
